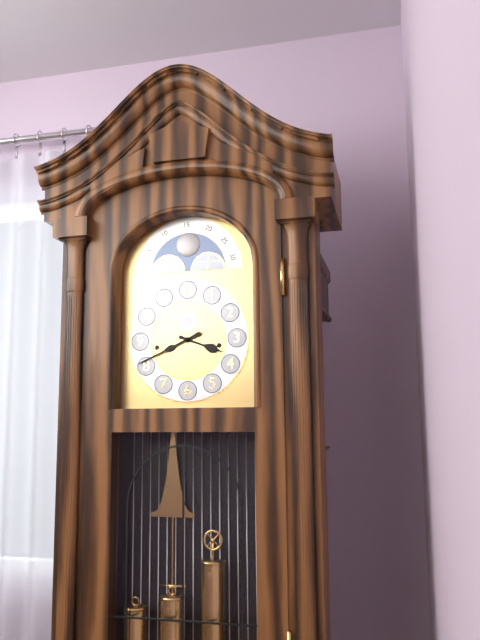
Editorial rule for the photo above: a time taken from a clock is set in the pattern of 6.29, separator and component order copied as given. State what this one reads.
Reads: 3.41
